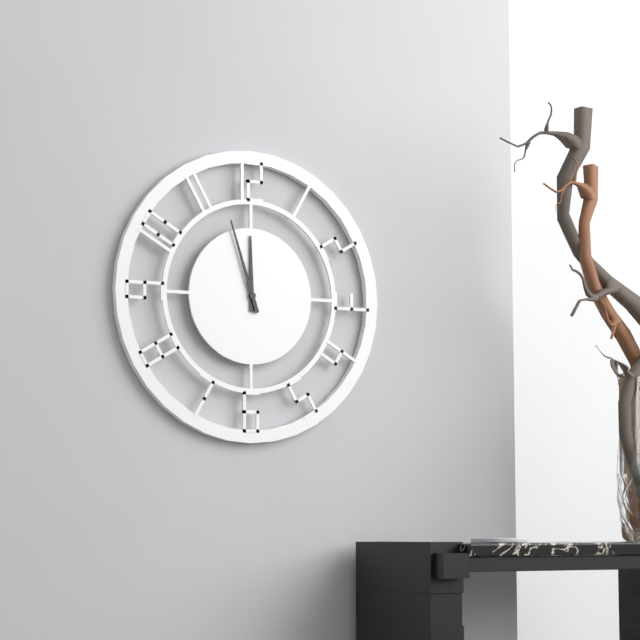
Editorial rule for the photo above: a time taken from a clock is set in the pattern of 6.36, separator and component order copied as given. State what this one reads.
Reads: 11.57
